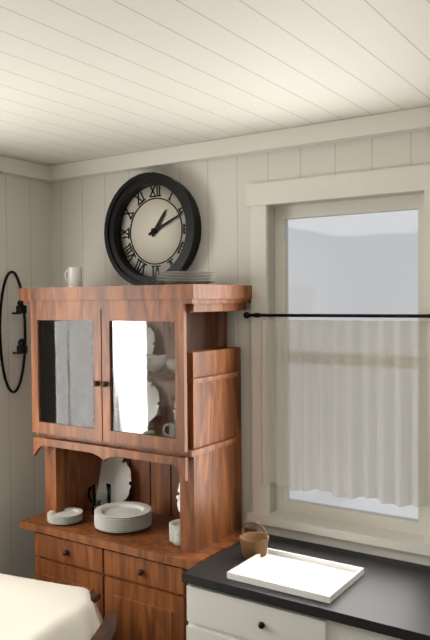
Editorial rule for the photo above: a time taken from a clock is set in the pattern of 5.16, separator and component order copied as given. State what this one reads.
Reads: 1.11
